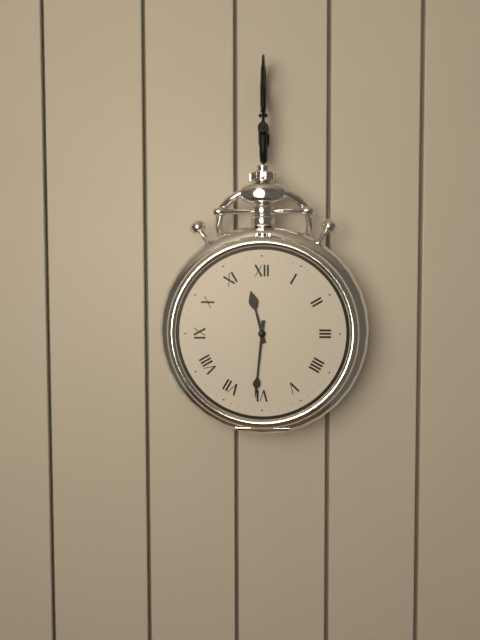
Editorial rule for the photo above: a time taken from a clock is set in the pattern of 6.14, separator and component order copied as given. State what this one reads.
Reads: 11.31
